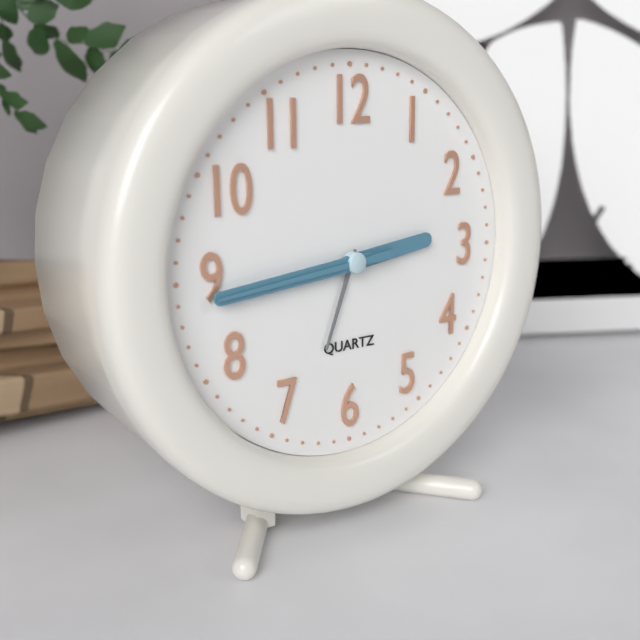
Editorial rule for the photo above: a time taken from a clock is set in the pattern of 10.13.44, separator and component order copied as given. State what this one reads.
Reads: 2.44.44
